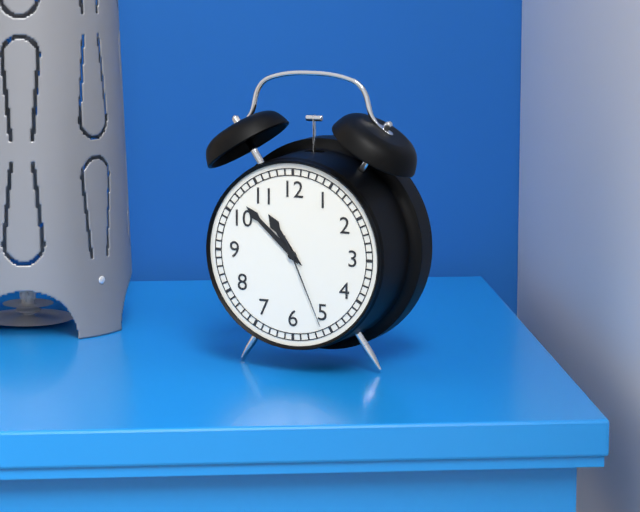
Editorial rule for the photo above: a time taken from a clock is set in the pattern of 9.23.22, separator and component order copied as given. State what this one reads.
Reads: 10.52.26
